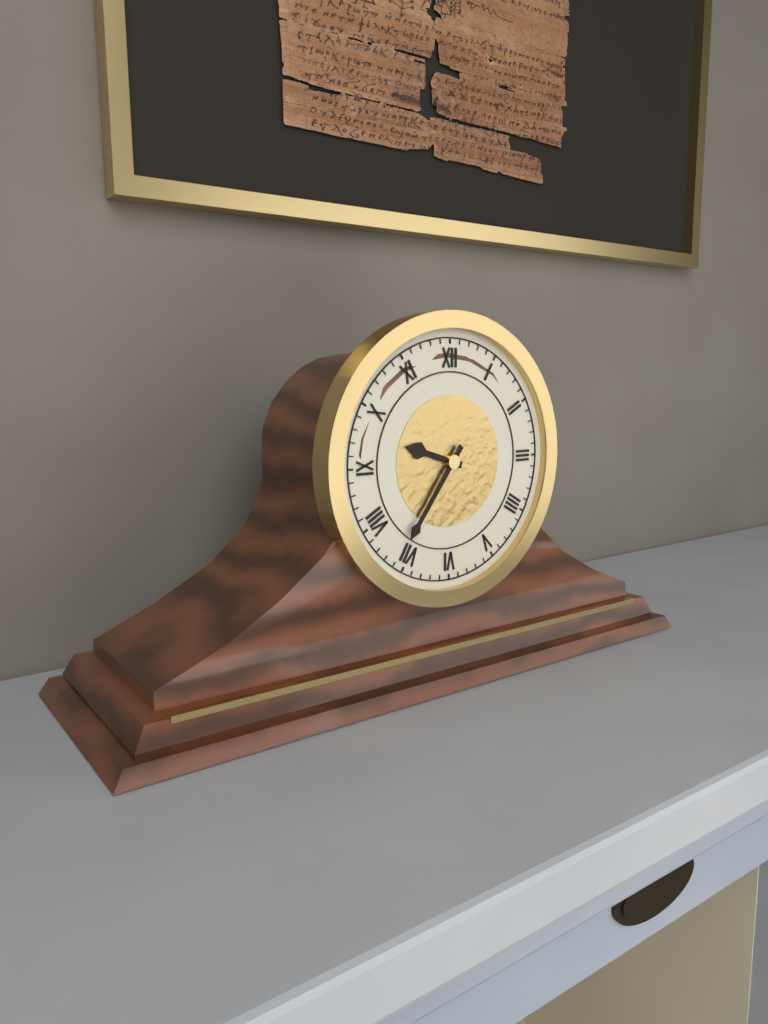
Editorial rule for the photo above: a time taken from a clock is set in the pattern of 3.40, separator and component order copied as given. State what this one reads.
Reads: 9.36
